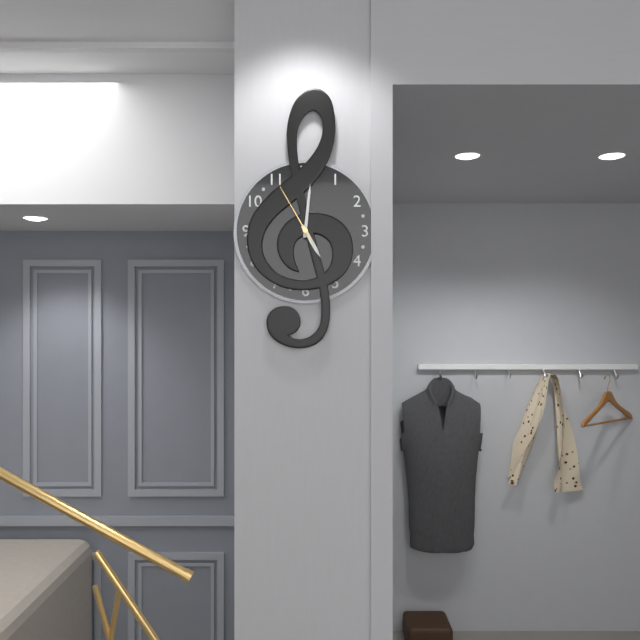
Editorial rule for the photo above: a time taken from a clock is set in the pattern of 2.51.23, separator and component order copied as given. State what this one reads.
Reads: 5.01.55
